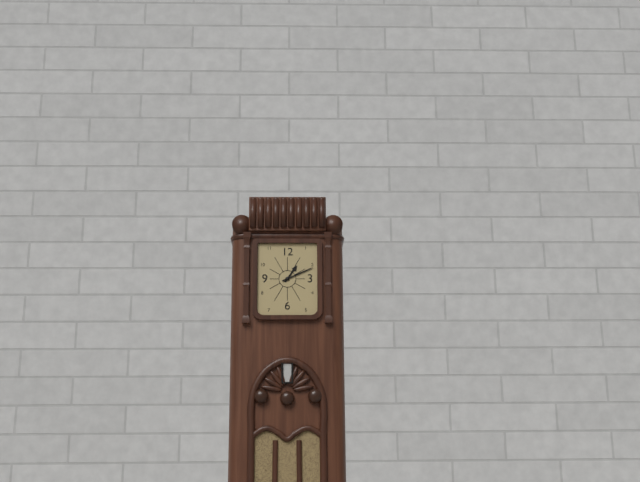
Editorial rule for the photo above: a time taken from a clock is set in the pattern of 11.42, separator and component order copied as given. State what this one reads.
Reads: 1.11
